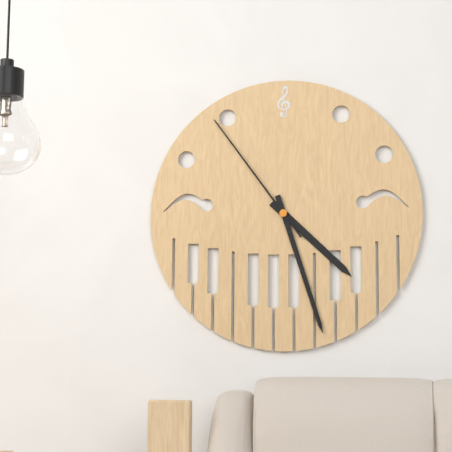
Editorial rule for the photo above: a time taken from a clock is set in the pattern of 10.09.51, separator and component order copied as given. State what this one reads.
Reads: 4.27.54
